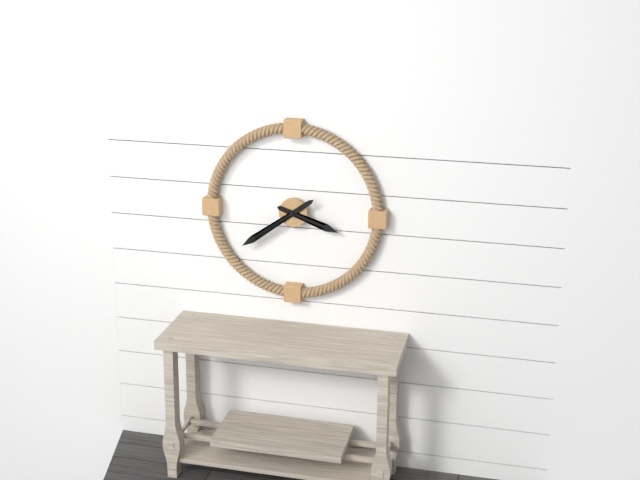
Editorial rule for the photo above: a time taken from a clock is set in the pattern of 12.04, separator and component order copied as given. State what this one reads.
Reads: 3.39
